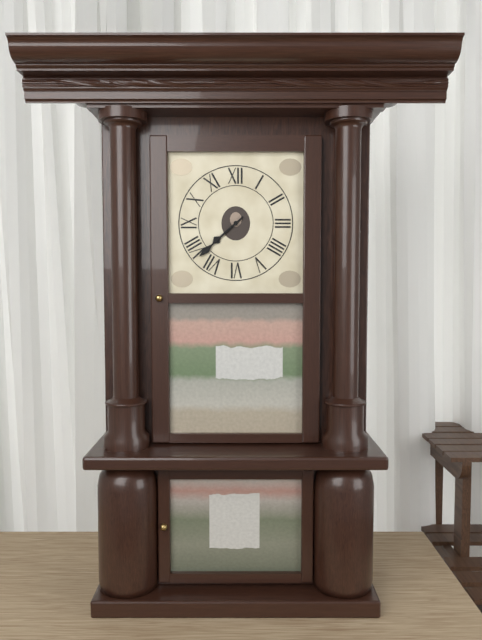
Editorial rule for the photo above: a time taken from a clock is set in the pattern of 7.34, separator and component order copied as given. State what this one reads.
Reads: 7.38
